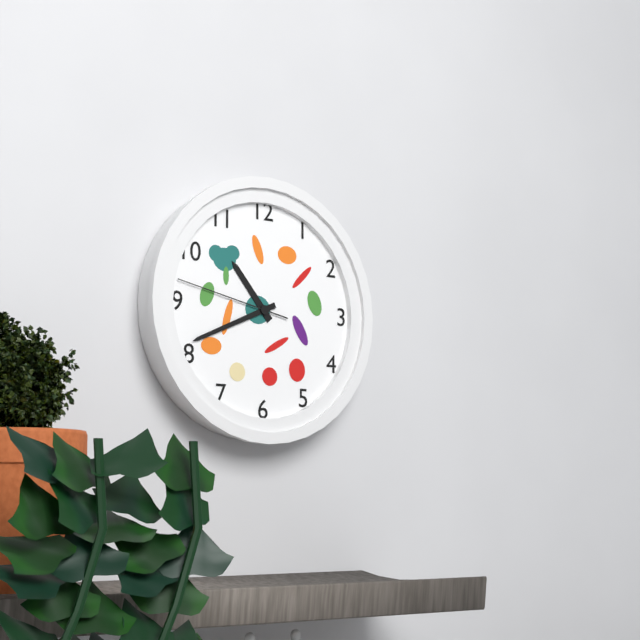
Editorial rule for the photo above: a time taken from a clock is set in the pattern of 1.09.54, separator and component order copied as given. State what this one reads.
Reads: 10.41.47
